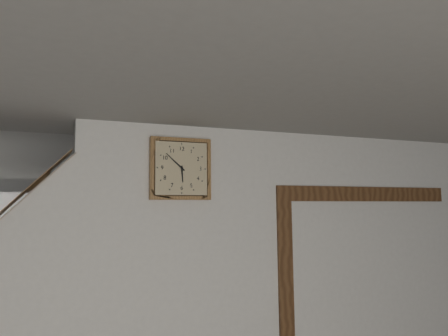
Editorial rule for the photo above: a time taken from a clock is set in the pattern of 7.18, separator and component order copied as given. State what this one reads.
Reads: 5.52
